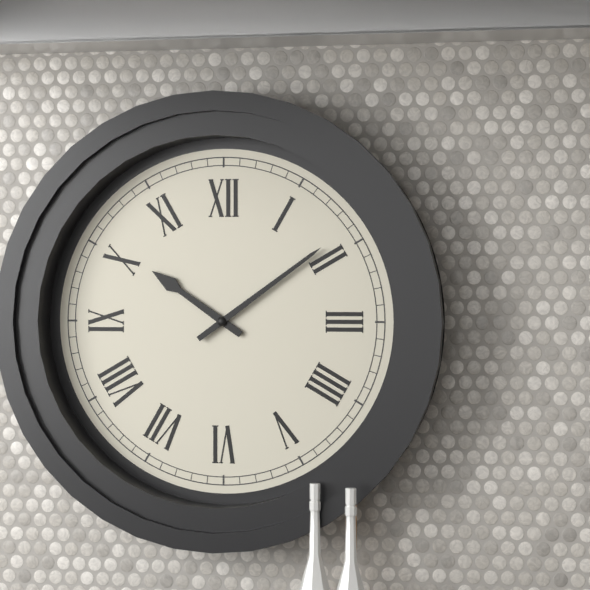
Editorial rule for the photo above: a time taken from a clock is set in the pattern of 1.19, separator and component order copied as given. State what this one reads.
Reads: 10.09
